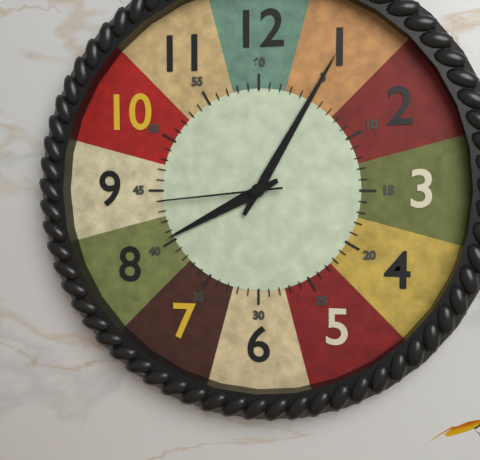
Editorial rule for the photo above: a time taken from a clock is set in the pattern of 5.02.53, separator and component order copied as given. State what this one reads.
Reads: 8.05.44
